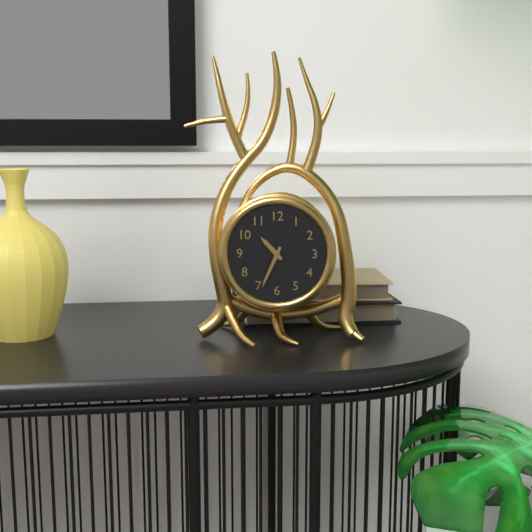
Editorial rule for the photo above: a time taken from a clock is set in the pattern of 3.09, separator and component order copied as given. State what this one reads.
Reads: 10.34
